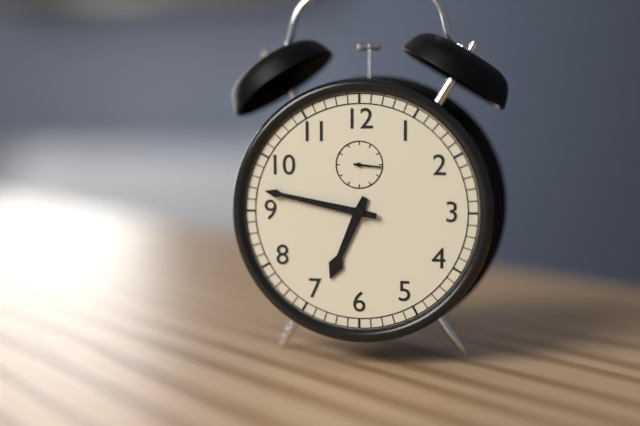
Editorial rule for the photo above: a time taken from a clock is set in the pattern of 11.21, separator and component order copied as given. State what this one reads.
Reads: 6.47
